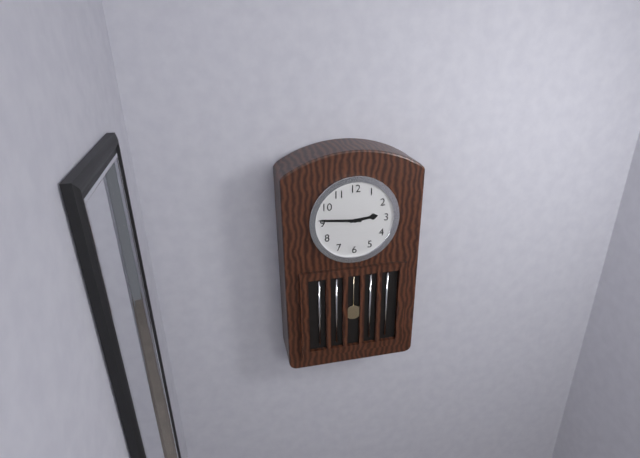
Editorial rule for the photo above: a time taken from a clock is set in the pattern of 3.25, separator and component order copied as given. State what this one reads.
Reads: 2.46
